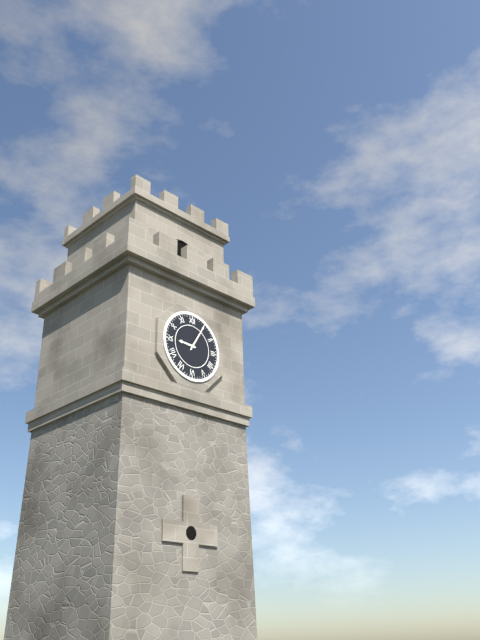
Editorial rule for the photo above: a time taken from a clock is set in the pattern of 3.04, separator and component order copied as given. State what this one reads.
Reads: 9.05
